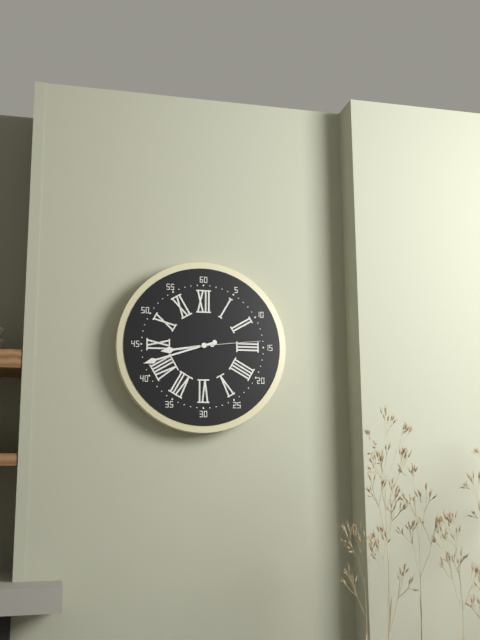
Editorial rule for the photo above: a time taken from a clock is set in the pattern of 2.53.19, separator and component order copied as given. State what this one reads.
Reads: 8.42.14
